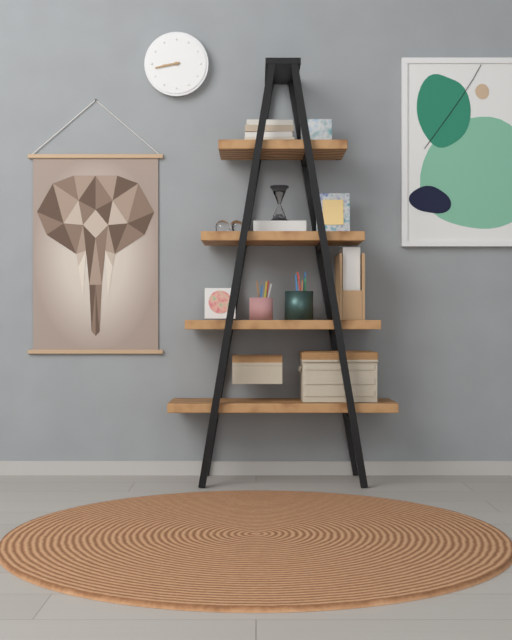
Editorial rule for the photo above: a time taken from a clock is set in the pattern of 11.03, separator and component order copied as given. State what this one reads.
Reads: 8.43
